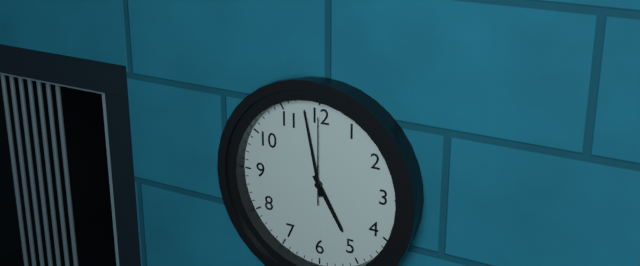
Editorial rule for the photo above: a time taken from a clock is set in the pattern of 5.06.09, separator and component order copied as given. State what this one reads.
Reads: 4.58.00
